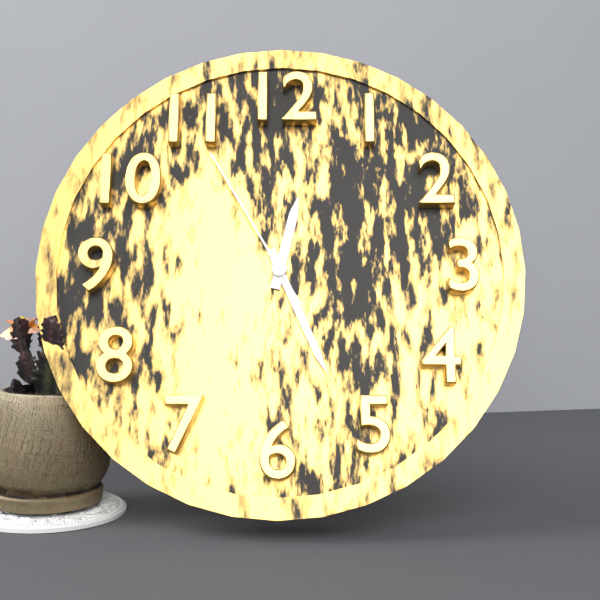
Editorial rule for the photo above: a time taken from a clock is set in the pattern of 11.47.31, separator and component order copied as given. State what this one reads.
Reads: 12.26.55
